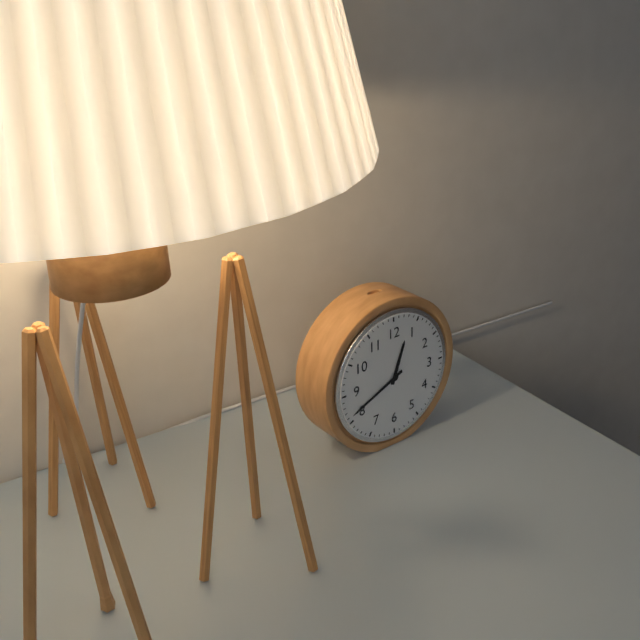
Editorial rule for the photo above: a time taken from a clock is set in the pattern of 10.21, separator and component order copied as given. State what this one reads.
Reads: 12.41
